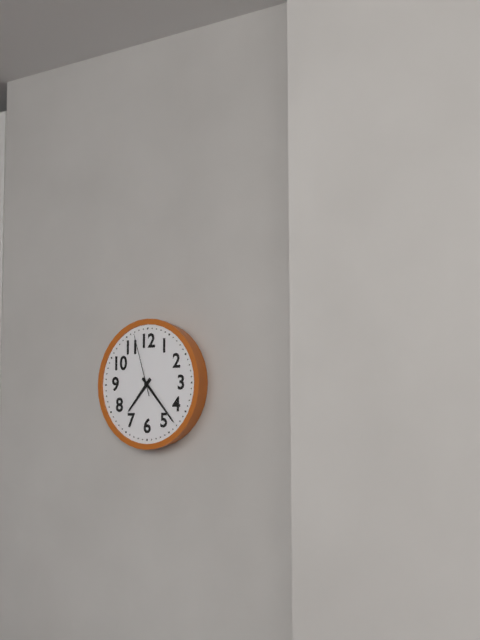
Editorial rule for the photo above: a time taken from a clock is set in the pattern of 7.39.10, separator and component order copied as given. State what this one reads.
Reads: 7.23.57
